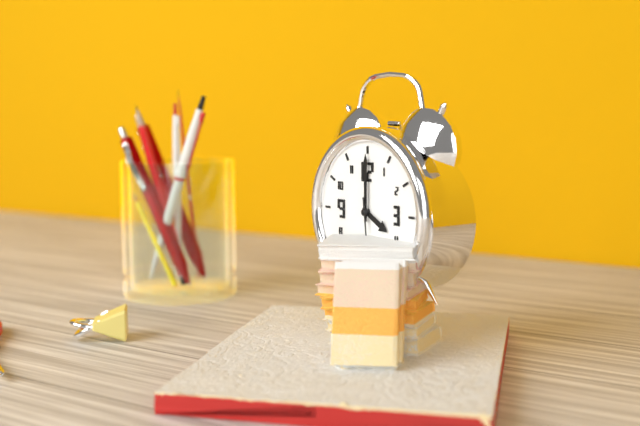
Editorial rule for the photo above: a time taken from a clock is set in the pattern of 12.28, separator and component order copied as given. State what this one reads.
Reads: 4.00
